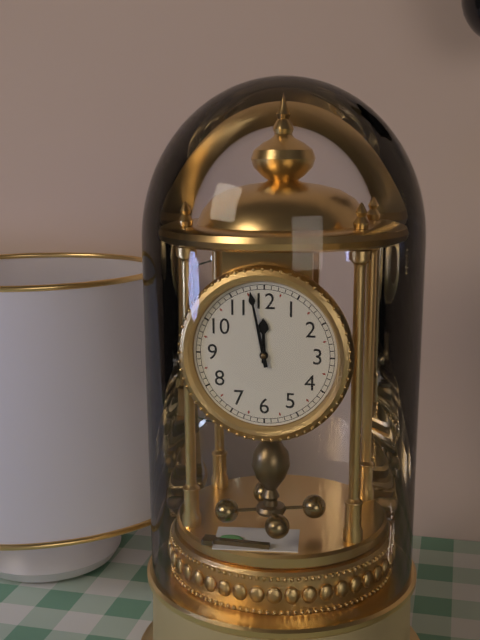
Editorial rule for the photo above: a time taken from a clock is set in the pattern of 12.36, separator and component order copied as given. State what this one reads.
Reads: 11.58
